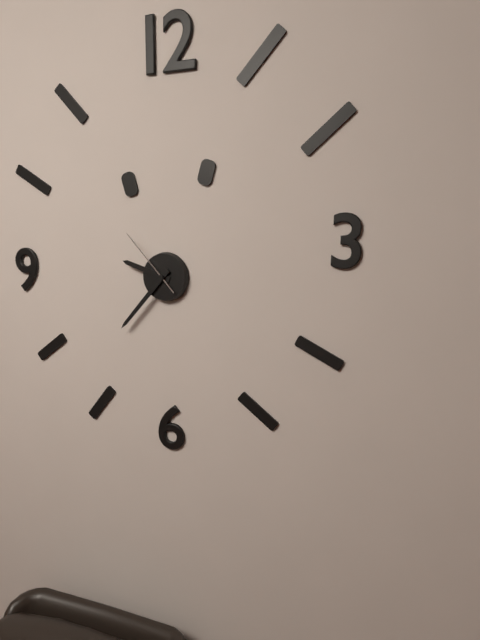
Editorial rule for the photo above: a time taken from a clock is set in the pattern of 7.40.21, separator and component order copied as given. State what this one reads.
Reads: 9.37.53
